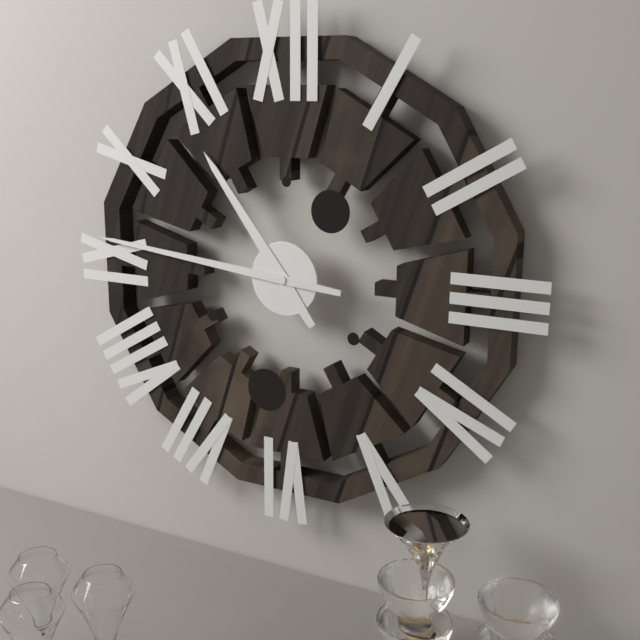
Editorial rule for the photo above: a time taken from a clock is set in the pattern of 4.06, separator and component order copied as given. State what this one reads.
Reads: 10.46
